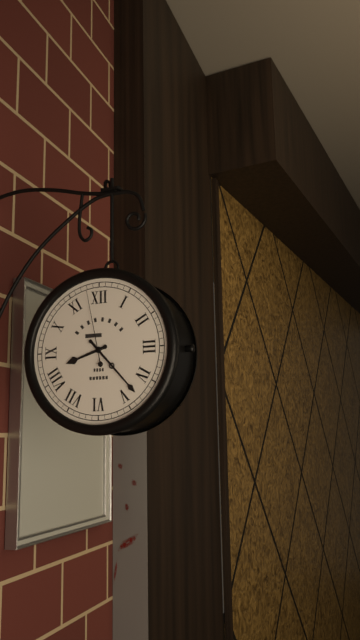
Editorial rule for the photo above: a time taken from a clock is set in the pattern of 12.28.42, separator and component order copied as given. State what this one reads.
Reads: 8.23.58
